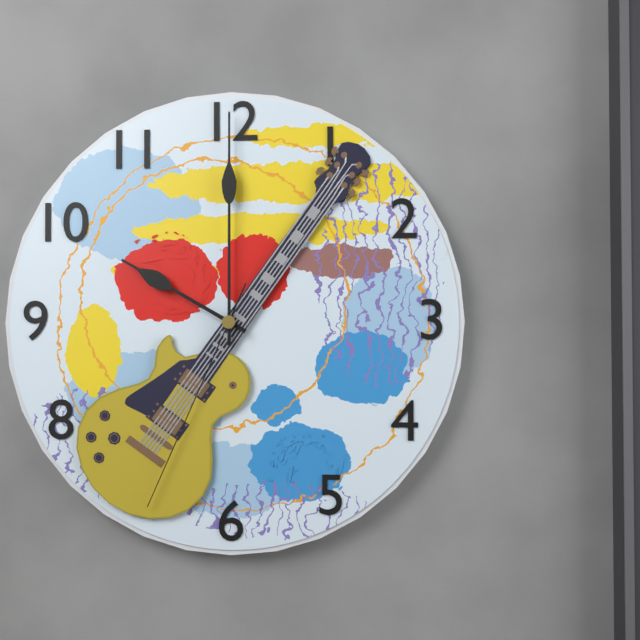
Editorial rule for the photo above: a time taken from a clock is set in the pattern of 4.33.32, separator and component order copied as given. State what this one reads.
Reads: 10.00.34
